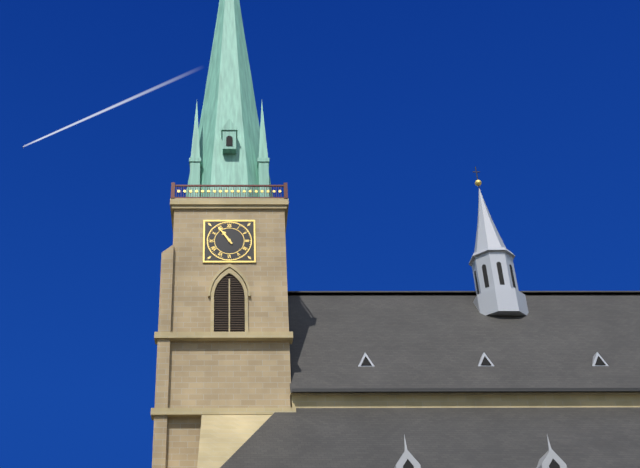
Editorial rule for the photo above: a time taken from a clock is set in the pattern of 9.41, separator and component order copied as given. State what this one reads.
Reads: 10.54
